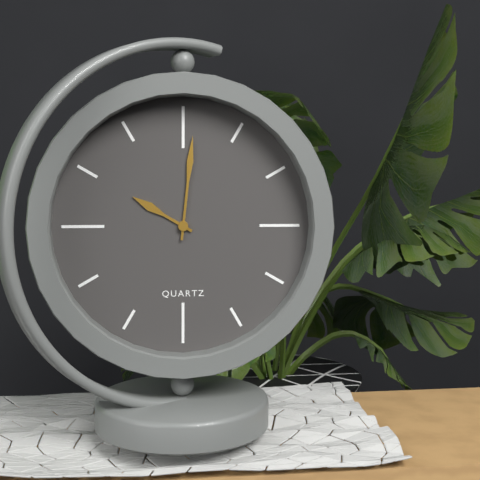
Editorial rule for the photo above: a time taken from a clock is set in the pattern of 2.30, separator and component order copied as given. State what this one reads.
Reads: 10.01
